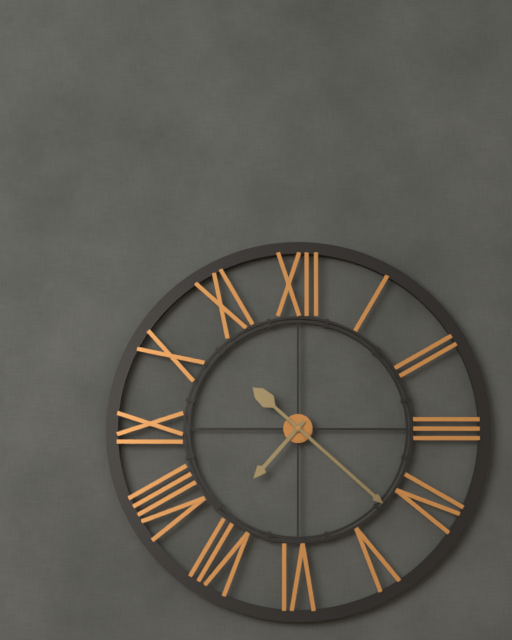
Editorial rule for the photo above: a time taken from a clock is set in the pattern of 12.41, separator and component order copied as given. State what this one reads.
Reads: 7.22
